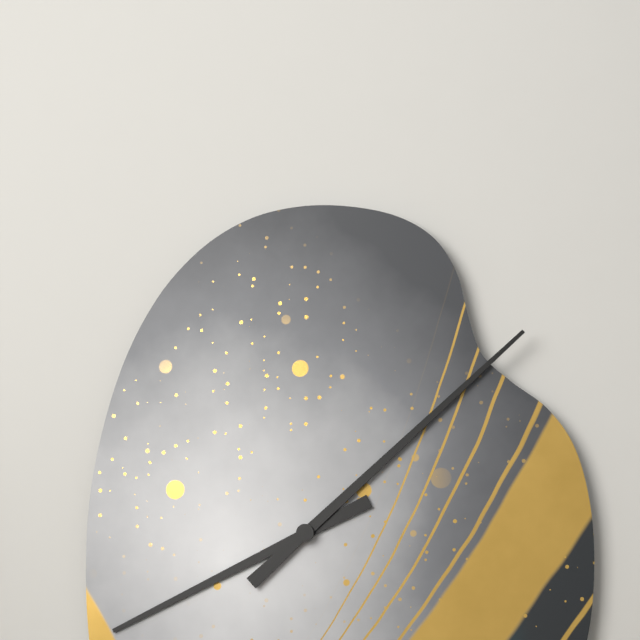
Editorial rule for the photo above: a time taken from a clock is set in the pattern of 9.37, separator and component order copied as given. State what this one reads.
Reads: 8.08
